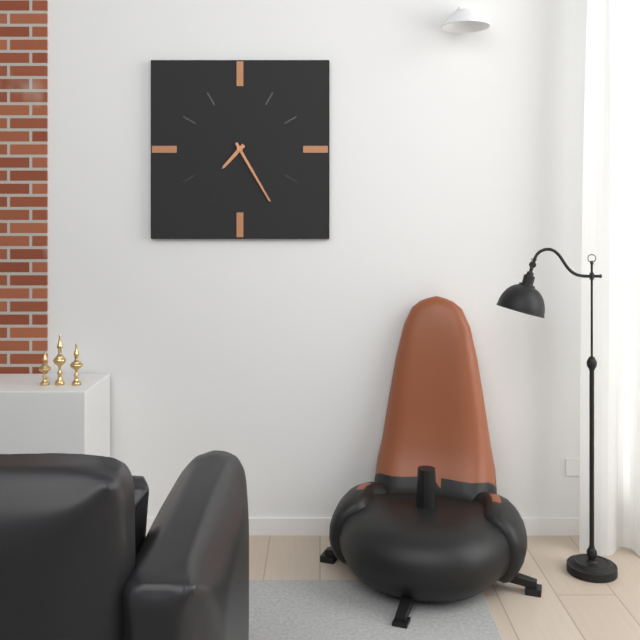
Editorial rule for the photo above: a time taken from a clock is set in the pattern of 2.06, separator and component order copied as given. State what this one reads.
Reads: 7.25
